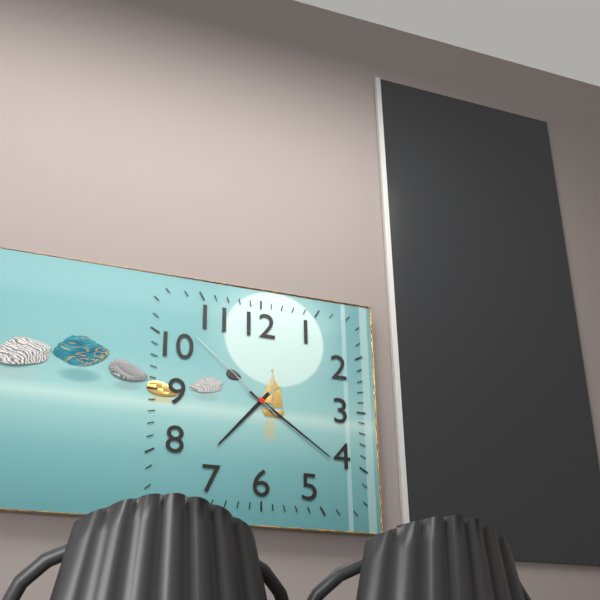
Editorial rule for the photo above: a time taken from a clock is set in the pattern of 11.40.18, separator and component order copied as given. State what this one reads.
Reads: 7.21.52
